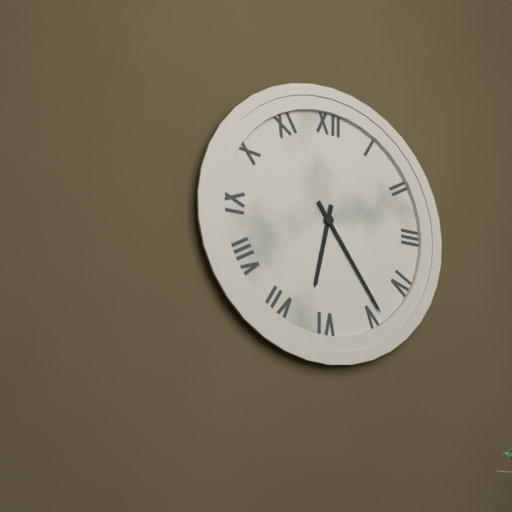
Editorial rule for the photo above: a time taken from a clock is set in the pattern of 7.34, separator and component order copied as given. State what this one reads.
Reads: 6.24
